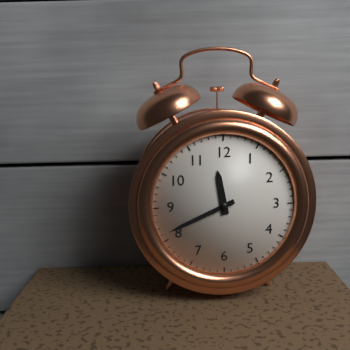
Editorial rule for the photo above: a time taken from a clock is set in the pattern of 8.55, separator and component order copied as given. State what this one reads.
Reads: 11.41
